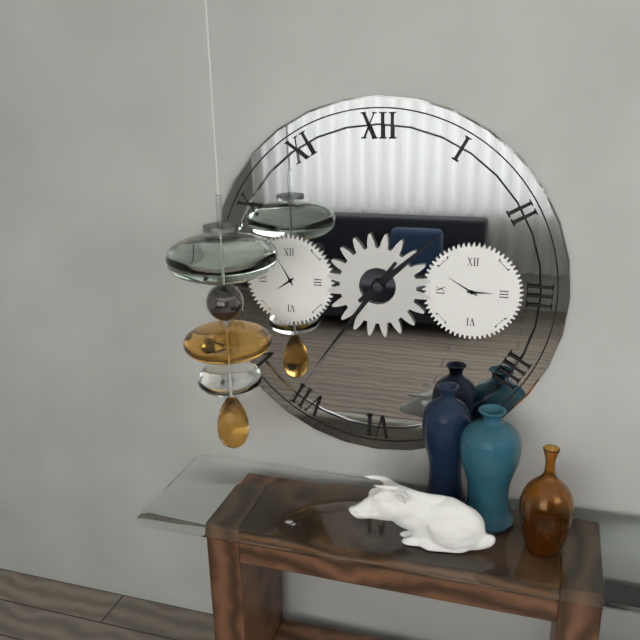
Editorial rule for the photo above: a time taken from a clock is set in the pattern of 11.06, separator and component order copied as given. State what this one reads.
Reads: 1.36
